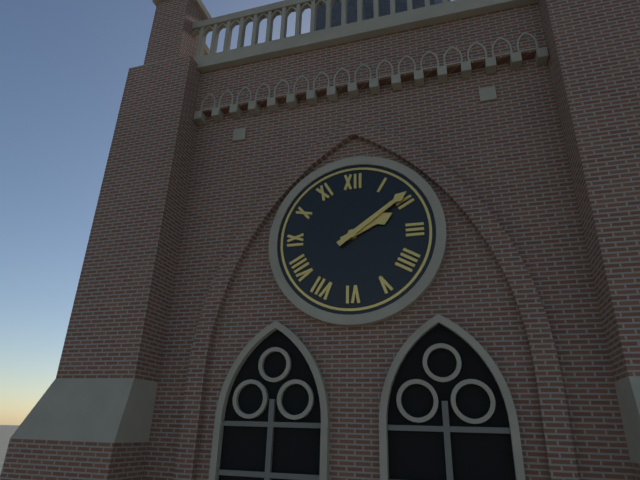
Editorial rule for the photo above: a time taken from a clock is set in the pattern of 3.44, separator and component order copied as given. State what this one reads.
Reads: 2.09
